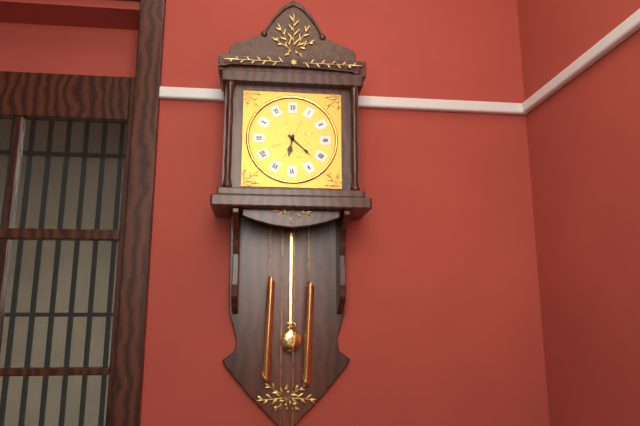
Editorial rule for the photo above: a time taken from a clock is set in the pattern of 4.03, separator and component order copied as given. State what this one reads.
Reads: 6.22
